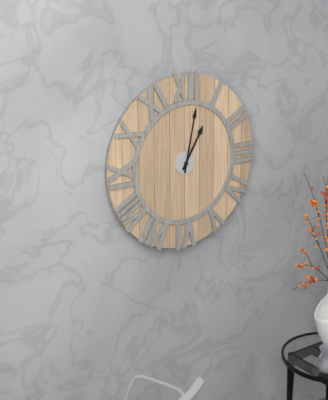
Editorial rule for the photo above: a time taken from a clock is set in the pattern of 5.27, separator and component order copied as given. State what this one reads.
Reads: 1.02
